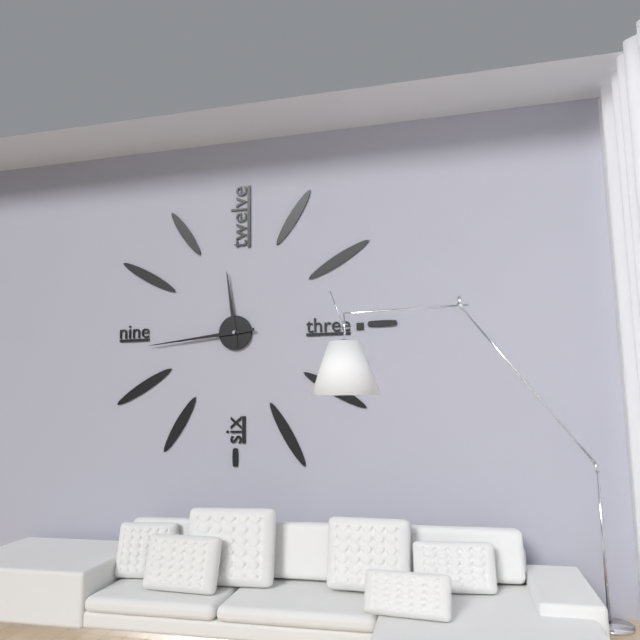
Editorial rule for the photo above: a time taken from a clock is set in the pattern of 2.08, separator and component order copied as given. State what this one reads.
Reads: 11.44
